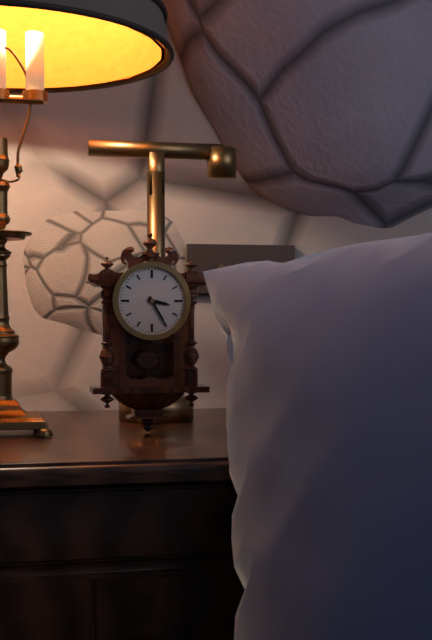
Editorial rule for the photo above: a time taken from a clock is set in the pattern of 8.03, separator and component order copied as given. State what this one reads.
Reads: 3.25
